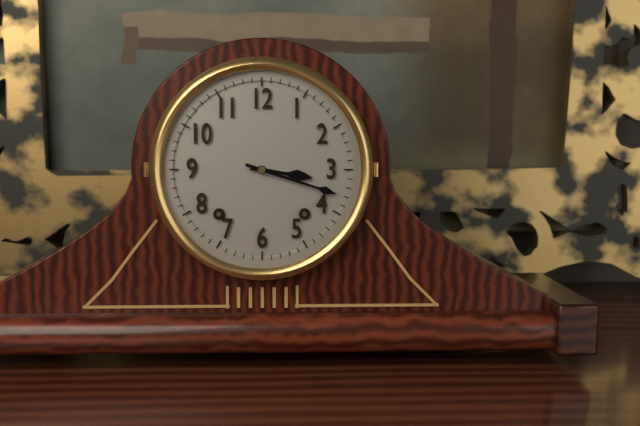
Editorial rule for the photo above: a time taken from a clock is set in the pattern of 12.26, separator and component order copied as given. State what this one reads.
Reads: 3.18
